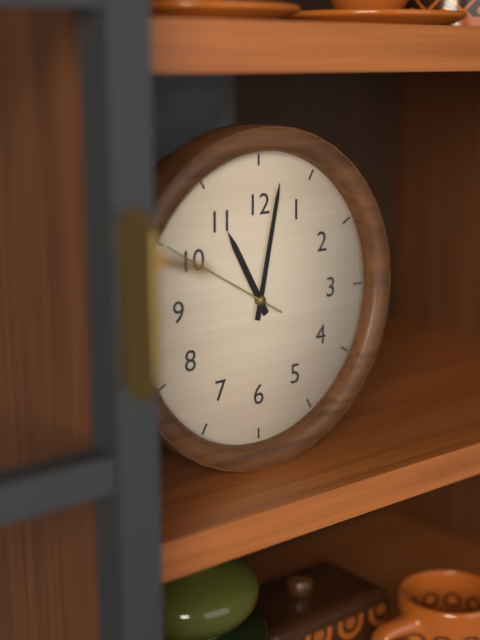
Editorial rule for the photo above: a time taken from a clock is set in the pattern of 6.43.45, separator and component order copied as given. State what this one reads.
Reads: 11.02.50
